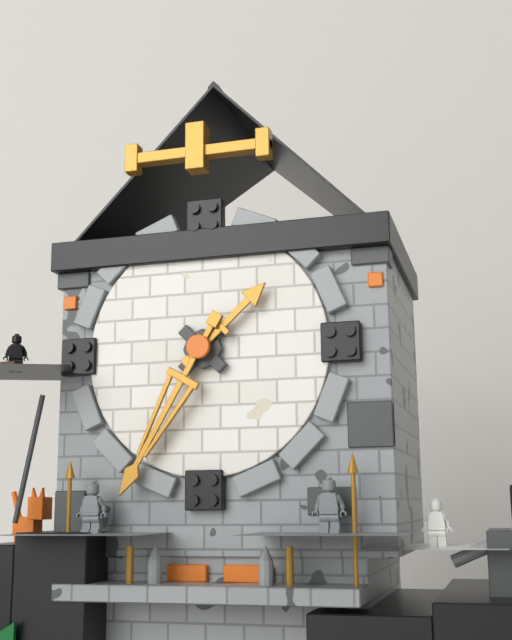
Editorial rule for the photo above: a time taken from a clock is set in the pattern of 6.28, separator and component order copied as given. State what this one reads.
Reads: 1.35
